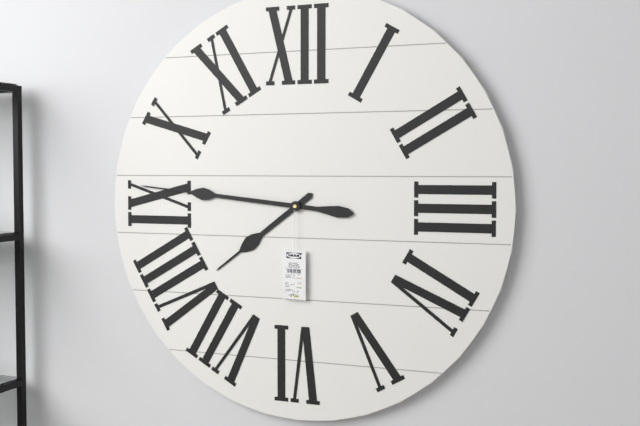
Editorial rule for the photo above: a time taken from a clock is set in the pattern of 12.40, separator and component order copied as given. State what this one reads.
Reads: 7.46
